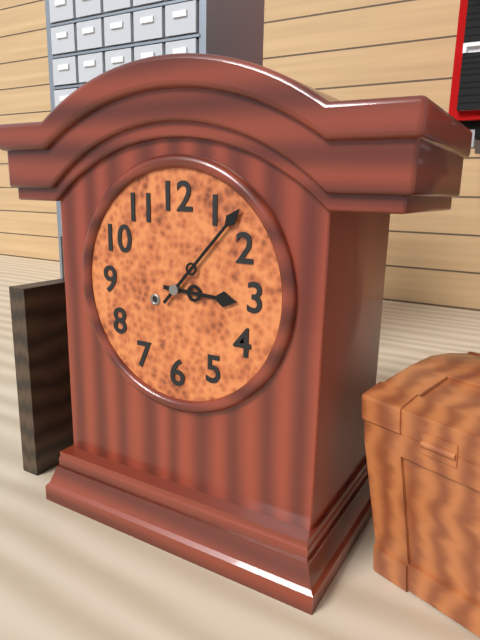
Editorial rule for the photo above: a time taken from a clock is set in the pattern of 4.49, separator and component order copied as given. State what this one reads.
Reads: 3.07
